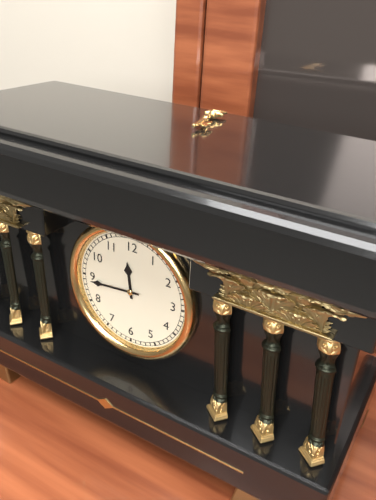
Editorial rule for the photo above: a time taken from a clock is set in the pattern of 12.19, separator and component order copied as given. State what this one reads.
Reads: 11.44
